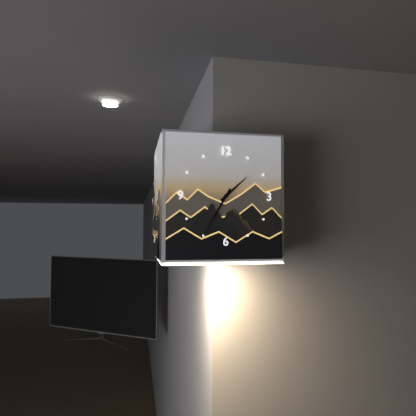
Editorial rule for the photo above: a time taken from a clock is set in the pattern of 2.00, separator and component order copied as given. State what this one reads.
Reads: 1.35
